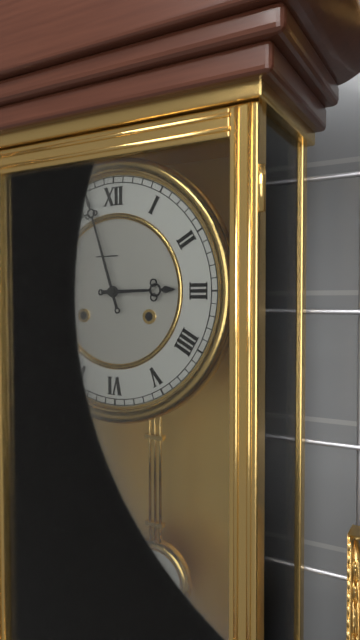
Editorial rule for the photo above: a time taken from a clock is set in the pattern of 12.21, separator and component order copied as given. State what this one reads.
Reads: 2.57
